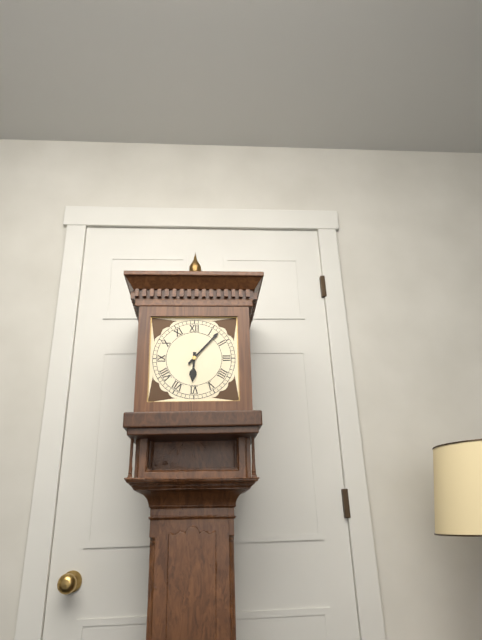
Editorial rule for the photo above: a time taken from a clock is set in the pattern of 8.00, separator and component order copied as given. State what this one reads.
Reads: 6.07
